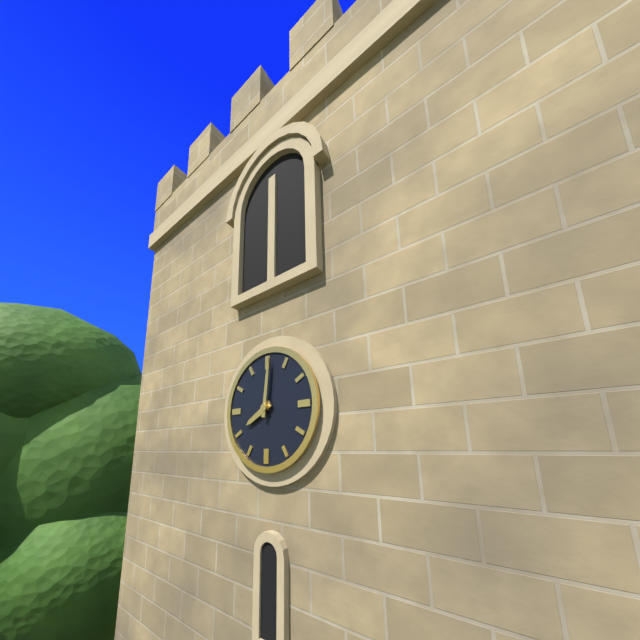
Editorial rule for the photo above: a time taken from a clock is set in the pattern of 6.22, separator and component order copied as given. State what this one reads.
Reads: 8.01
